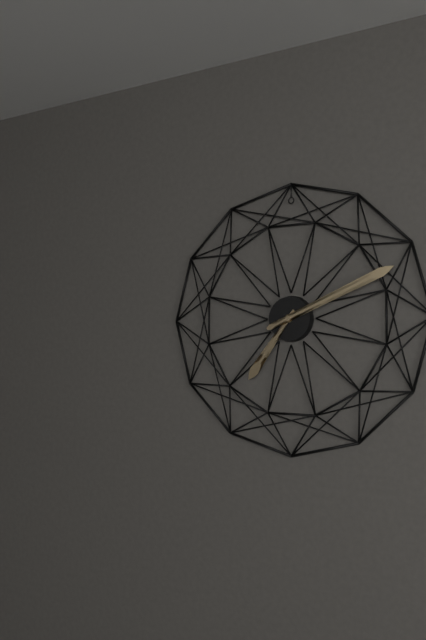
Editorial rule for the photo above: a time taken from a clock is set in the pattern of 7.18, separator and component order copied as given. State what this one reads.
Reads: 7.11
